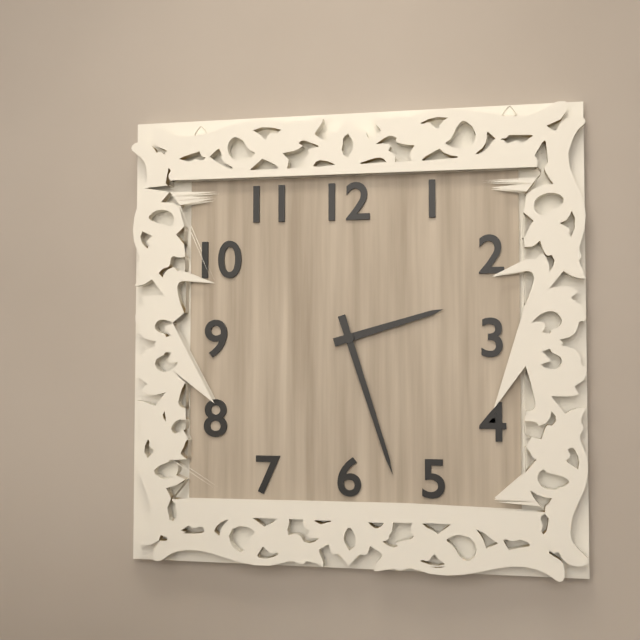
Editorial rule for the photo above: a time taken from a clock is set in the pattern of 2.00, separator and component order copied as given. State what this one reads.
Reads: 2.27
